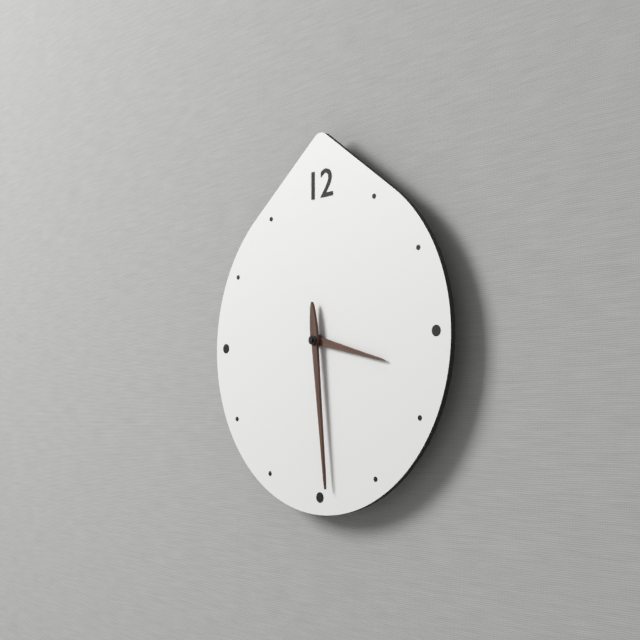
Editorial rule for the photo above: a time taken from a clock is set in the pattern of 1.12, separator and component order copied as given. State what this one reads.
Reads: 3.29
